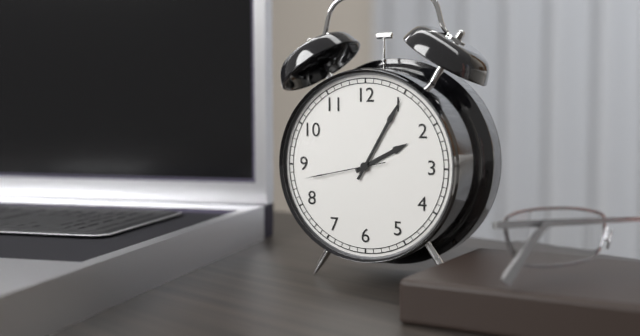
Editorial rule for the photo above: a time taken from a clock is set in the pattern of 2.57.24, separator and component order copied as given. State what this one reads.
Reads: 2.05.43
